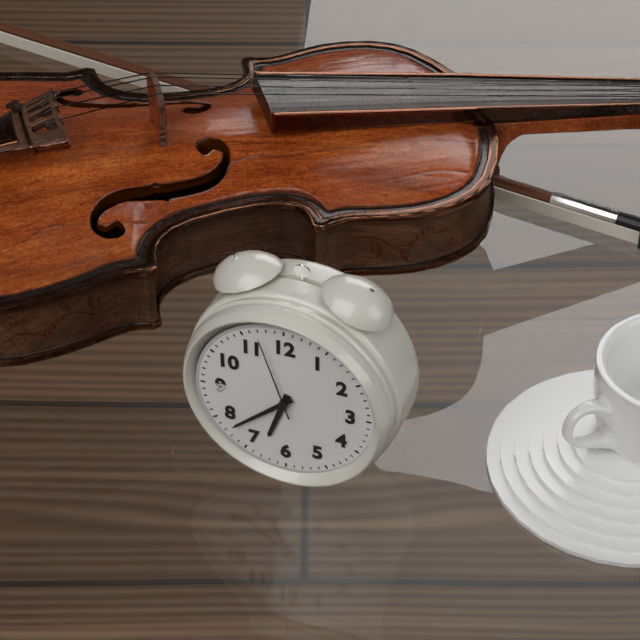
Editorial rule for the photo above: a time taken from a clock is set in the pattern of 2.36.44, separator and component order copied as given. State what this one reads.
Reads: 6.38.57
